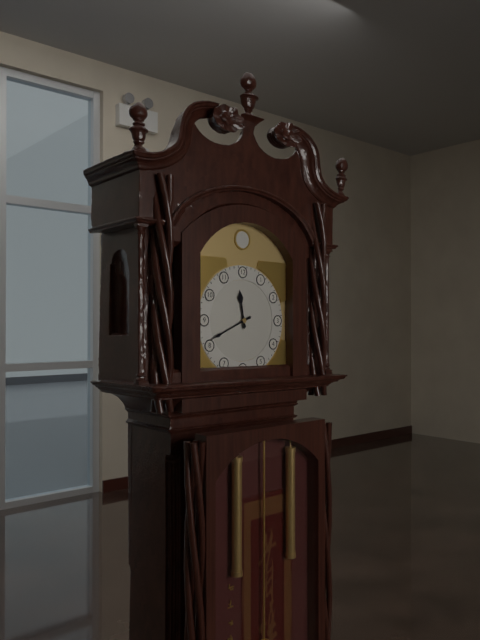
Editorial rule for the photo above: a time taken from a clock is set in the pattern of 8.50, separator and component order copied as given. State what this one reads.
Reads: 11.41
